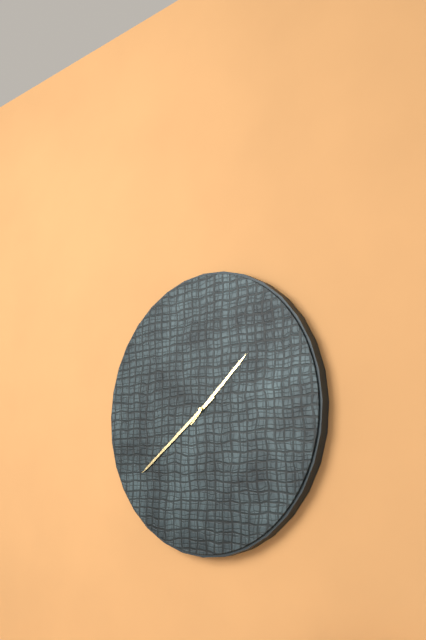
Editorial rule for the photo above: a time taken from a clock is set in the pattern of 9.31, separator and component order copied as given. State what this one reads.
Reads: 1.39
